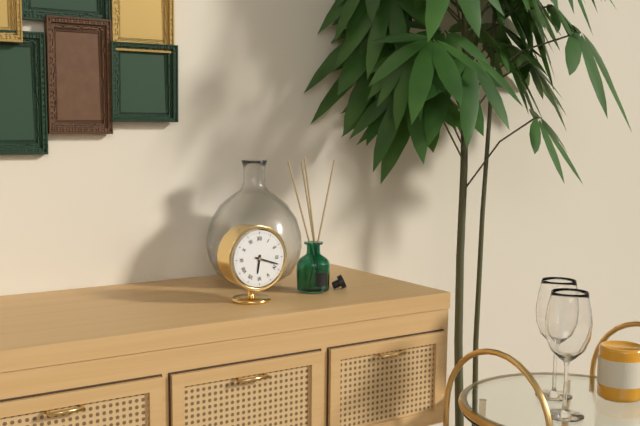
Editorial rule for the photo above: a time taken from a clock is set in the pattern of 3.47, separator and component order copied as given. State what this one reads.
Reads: 6.18
